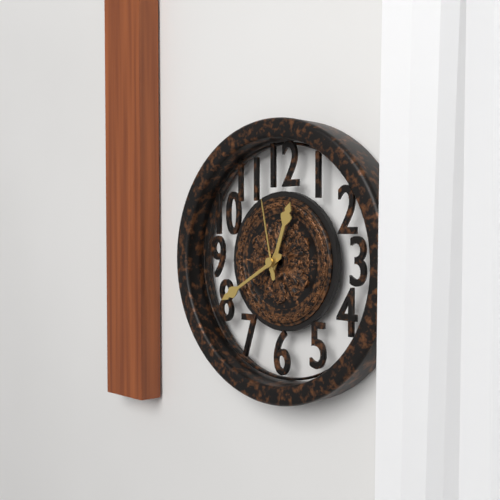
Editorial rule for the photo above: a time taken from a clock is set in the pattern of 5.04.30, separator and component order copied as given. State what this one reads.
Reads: 12.40.58
